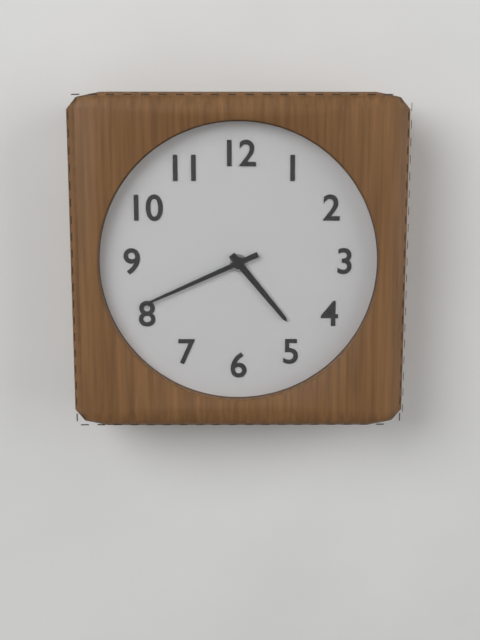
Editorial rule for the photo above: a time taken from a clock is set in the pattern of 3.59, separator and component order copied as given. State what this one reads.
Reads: 4.41
